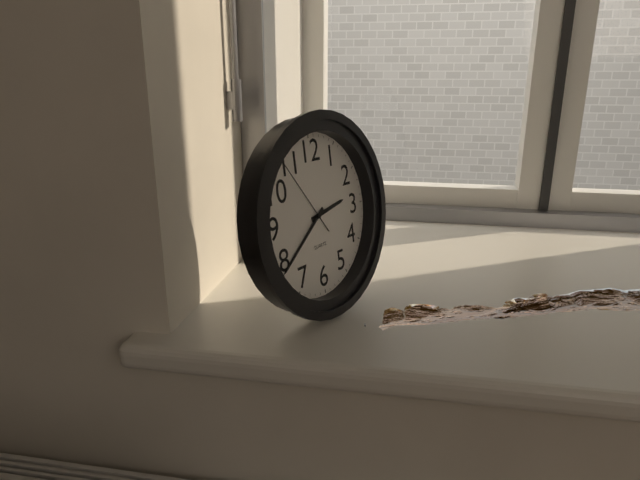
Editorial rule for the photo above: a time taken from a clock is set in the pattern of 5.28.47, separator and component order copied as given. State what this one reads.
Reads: 2.39.54
